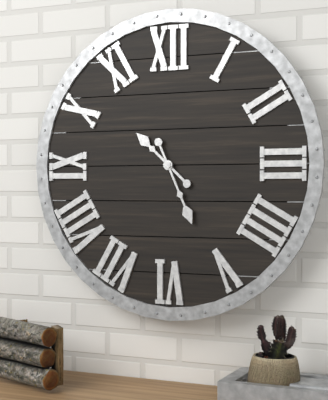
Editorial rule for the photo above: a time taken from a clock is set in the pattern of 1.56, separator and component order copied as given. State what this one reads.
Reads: 10.26
